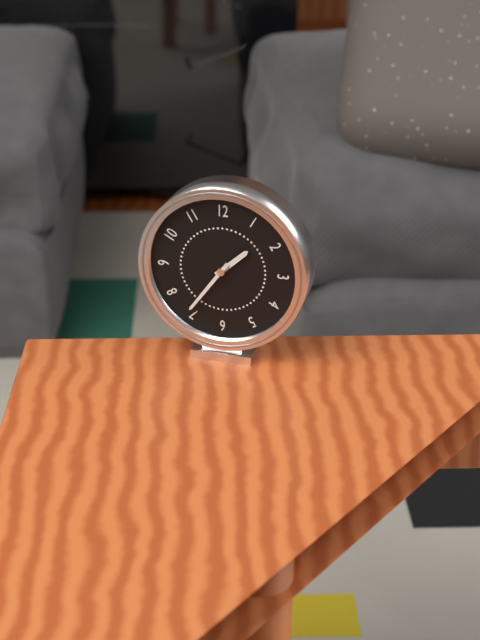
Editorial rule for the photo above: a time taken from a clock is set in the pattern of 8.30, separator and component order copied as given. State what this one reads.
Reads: 1.36
